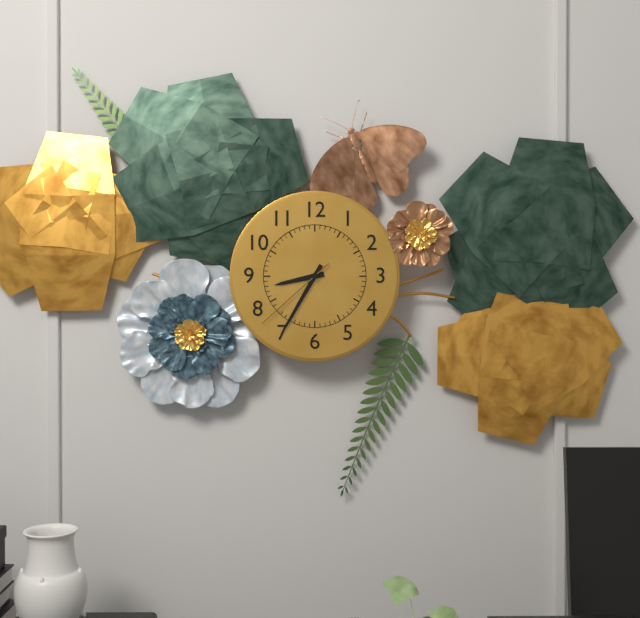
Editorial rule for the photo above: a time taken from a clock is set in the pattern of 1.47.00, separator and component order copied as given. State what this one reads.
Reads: 8.35.38
